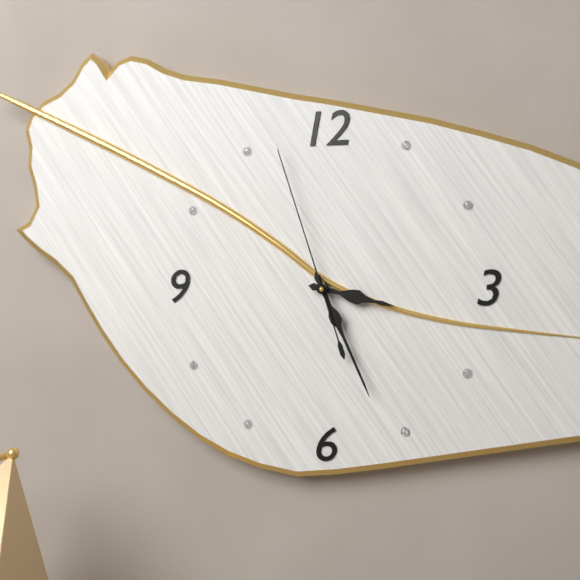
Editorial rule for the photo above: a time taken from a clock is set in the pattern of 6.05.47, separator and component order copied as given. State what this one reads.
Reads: 3.26.57
